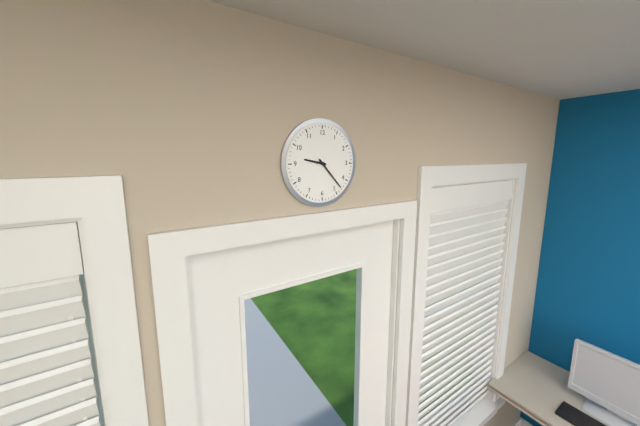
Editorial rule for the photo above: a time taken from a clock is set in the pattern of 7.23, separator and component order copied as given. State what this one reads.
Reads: 9.23
